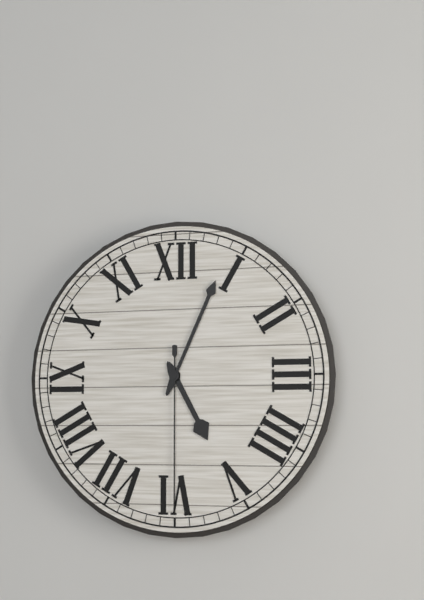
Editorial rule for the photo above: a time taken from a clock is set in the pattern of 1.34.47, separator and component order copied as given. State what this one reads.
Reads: 5.04.30
